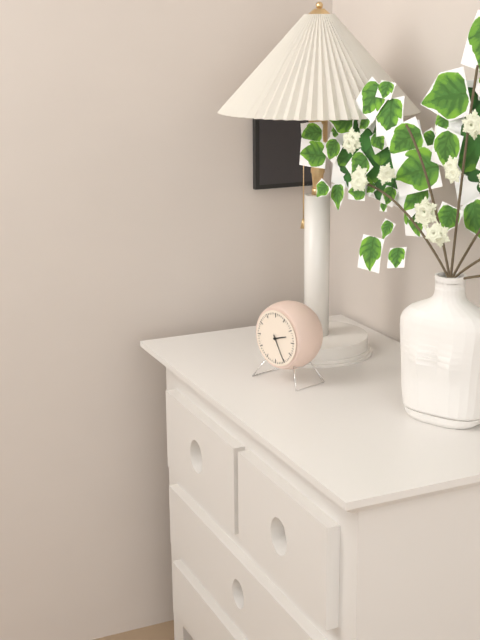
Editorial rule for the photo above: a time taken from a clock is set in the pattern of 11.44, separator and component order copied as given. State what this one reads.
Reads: 2.25
